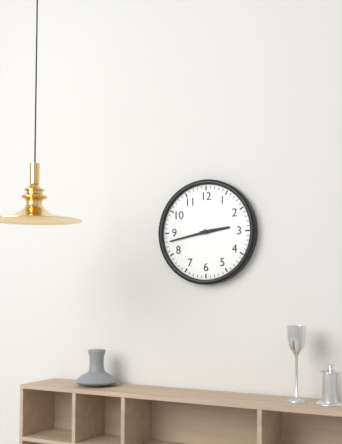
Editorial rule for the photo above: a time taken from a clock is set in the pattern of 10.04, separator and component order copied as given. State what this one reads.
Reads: 2.43
